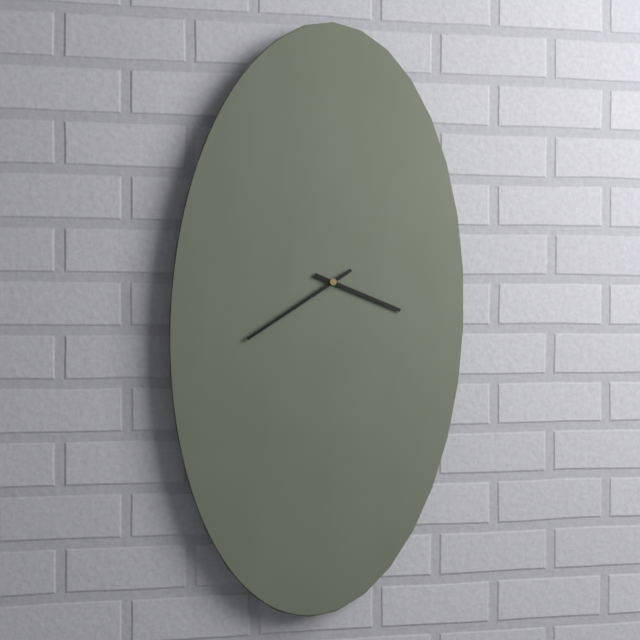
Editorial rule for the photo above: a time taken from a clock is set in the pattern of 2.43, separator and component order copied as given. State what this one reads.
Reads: 3.39
